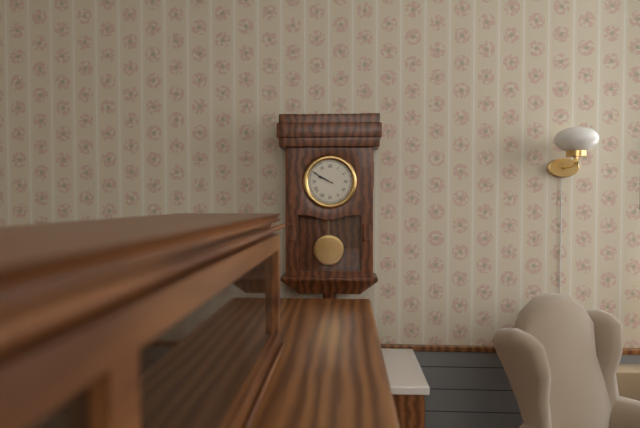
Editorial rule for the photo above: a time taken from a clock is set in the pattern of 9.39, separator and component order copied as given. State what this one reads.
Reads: 9.50
